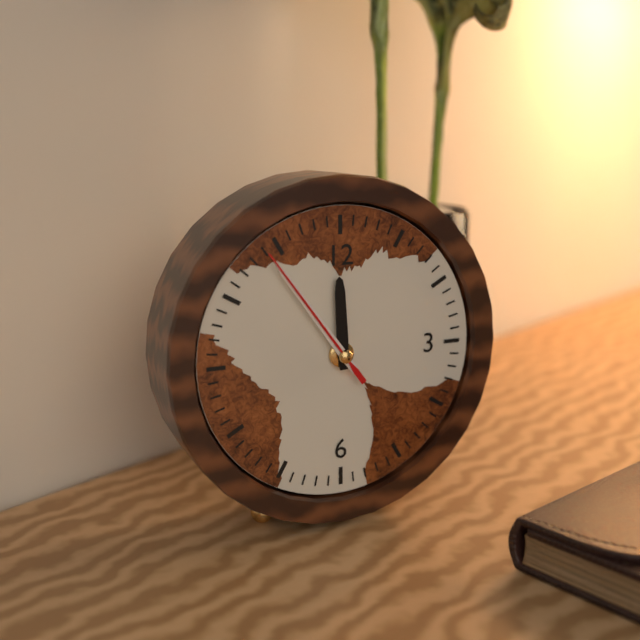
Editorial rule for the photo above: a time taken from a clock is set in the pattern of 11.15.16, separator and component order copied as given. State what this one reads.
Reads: 11.54.54
